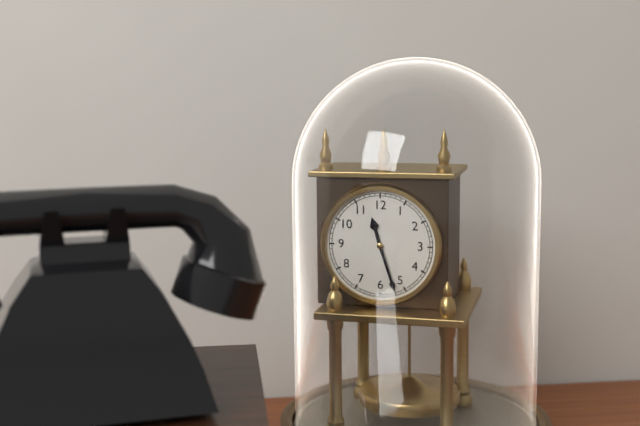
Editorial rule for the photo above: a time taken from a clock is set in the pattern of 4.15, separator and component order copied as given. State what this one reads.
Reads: 11.27
